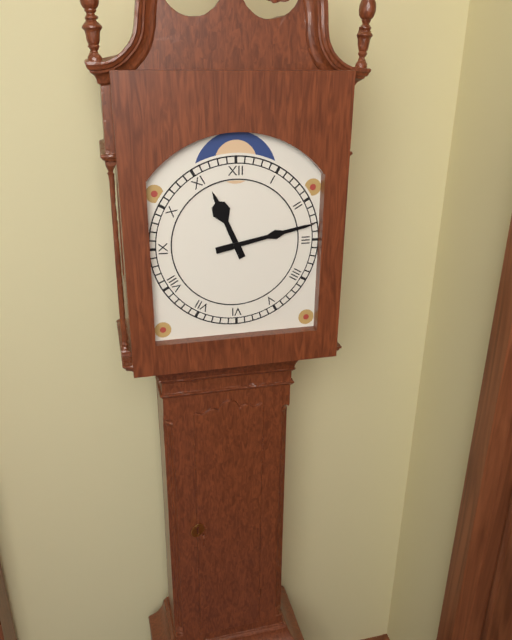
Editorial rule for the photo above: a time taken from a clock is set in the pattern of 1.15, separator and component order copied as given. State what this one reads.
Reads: 11.13
